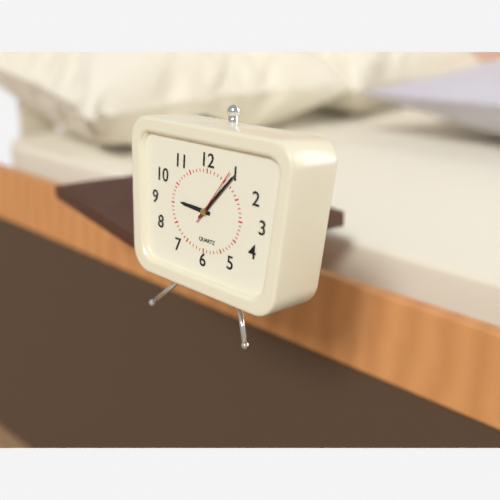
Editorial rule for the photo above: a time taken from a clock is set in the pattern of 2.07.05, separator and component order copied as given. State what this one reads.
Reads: 9.07.06
